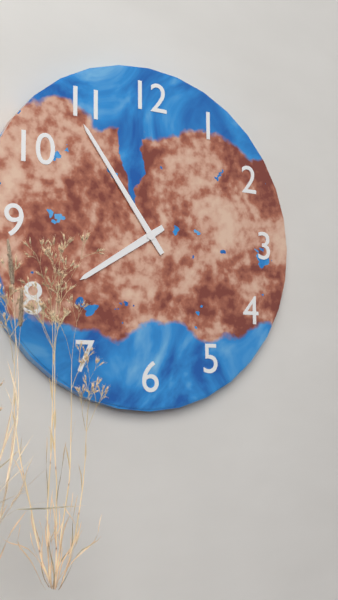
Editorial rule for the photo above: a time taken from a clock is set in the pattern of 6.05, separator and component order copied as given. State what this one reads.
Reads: 7.54
